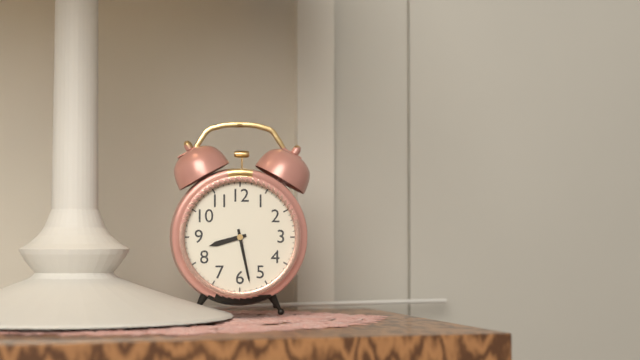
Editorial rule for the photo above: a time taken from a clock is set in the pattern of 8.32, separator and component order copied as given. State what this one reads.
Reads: 8.28
